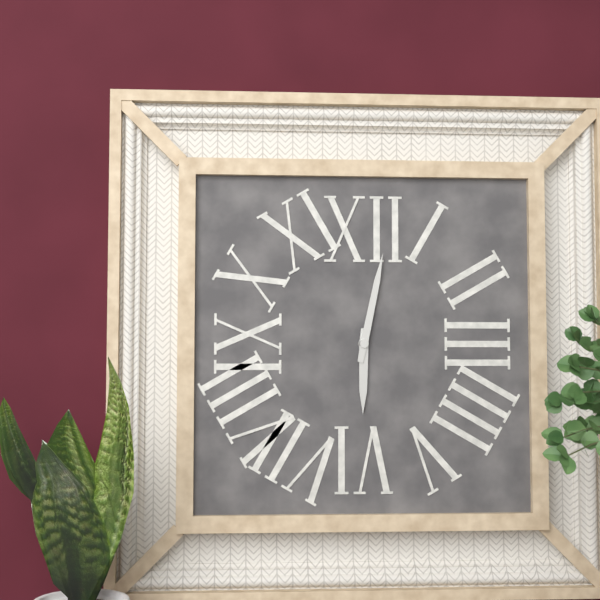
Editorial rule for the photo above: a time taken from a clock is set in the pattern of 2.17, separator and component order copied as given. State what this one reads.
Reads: 6.02
